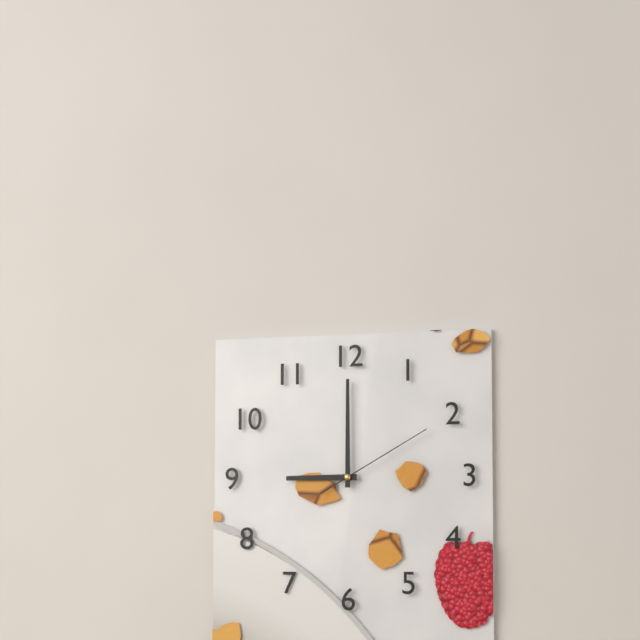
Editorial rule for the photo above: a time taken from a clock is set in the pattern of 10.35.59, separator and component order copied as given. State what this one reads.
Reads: 9.00.10
